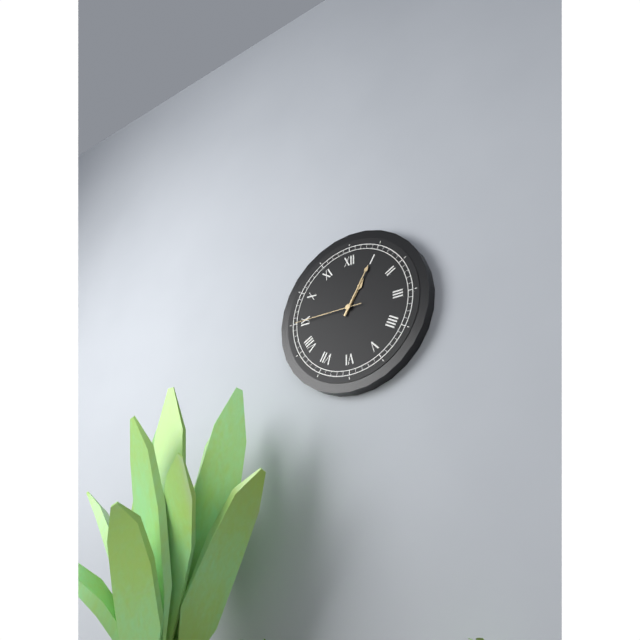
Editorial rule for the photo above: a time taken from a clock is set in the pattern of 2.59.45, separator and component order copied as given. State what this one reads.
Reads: 1.05.45
